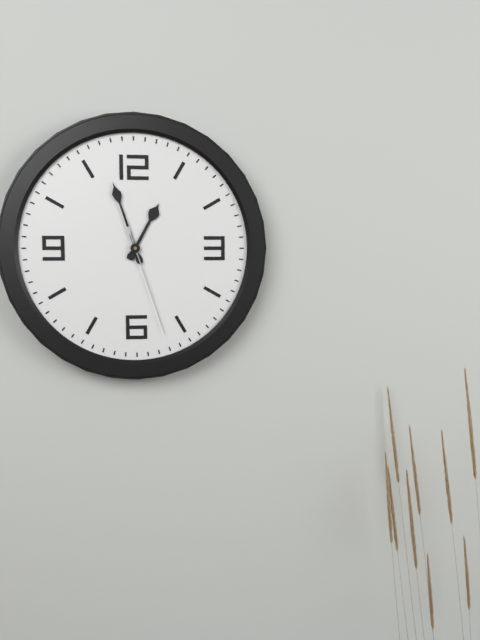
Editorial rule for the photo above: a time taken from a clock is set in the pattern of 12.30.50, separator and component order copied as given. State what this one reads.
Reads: 12.57.27
